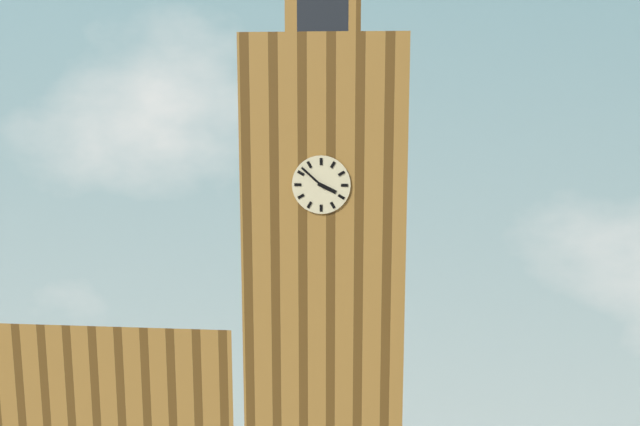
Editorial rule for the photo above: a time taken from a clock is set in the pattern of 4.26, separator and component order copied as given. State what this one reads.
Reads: 3.52
